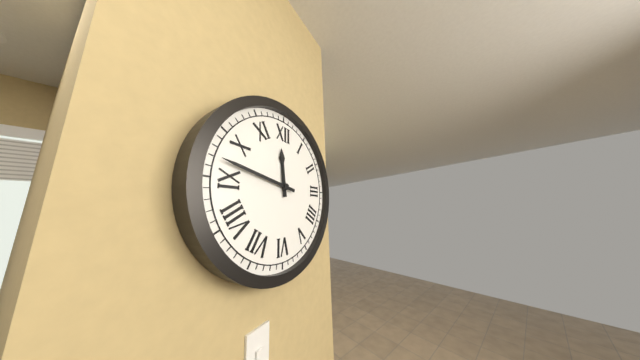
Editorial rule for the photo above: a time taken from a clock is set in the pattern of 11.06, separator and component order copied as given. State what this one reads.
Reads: 11.47
